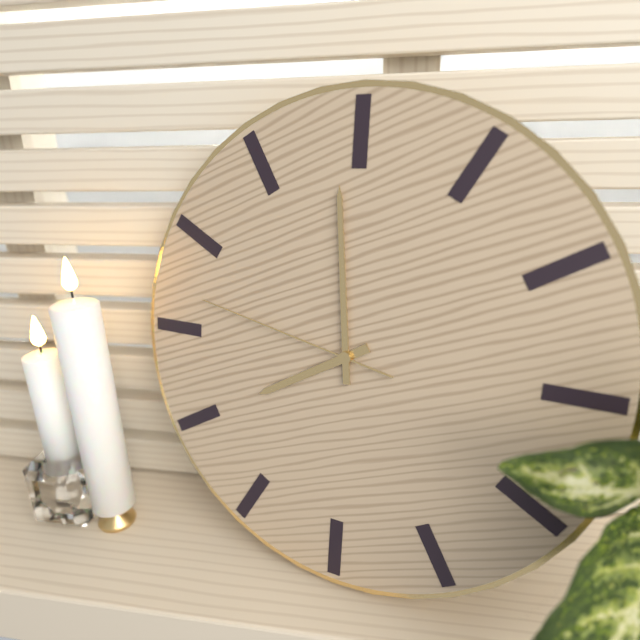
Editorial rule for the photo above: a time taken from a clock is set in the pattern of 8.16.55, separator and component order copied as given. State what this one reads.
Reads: 7.59.47
